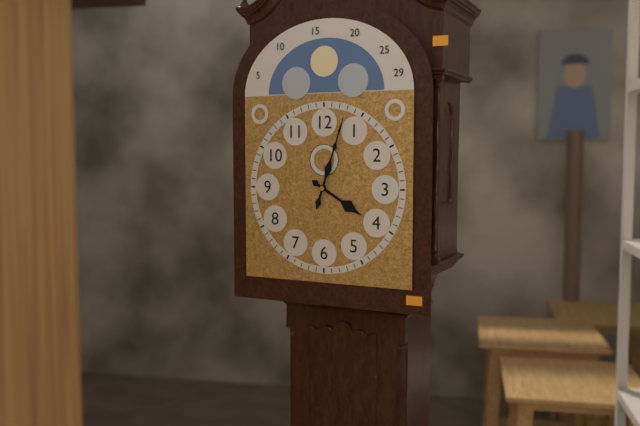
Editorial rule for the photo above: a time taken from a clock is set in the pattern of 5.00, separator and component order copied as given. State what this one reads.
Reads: 4.03
